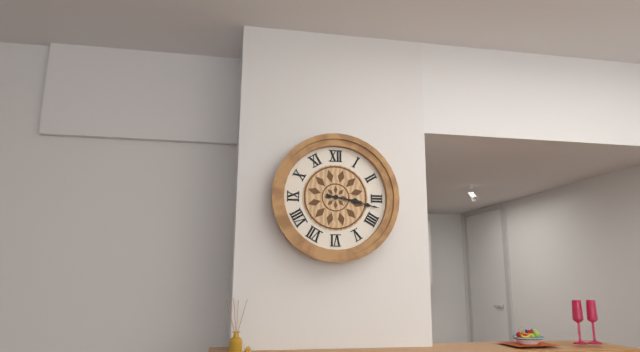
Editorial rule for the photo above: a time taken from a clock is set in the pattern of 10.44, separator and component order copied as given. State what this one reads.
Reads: 3.17
